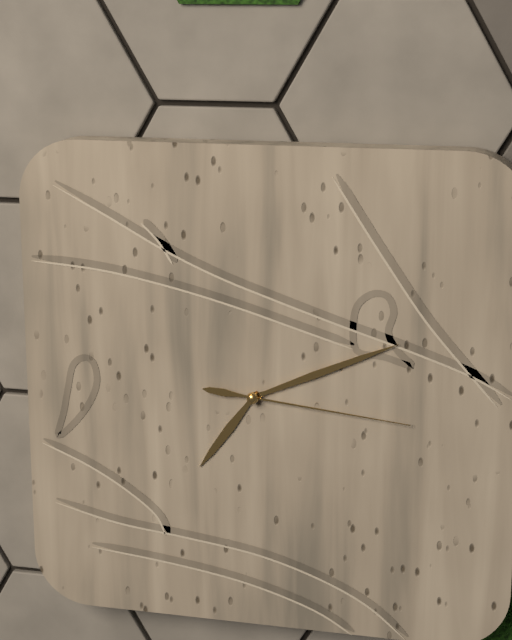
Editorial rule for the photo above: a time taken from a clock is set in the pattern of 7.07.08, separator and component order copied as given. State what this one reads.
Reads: 7.11.16
